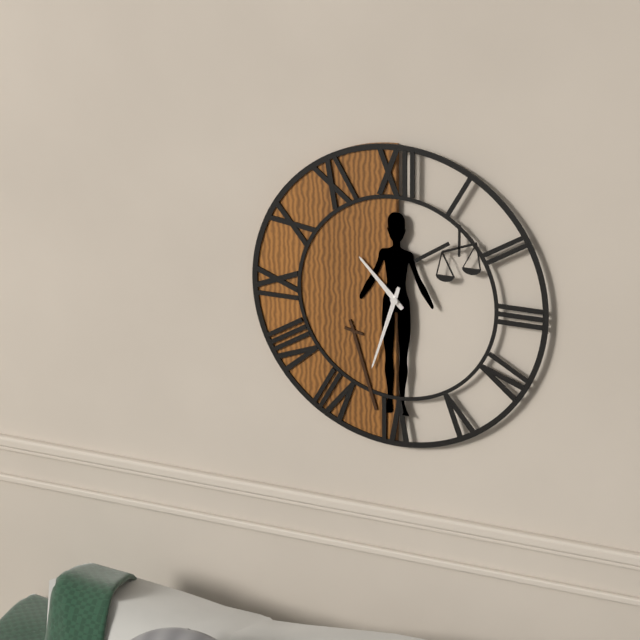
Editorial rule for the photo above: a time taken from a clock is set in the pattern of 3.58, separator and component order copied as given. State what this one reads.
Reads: 10.33
